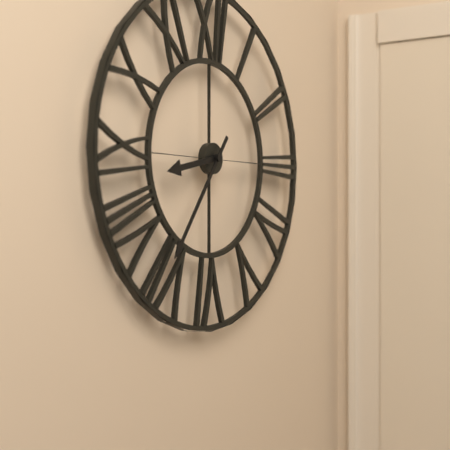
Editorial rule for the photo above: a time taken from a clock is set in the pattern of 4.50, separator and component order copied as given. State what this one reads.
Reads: 8.36
